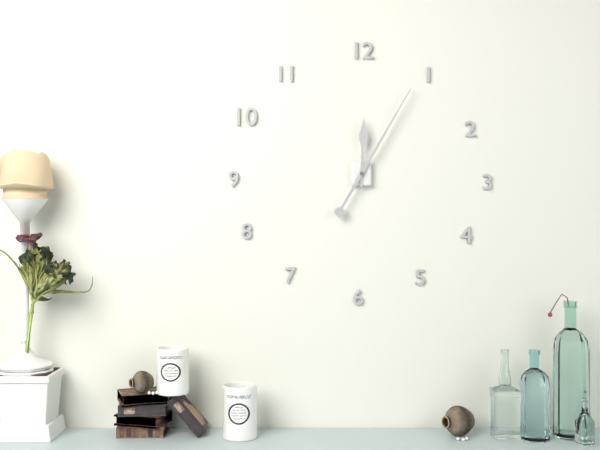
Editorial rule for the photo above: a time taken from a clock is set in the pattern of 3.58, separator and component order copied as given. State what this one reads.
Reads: 12.05
